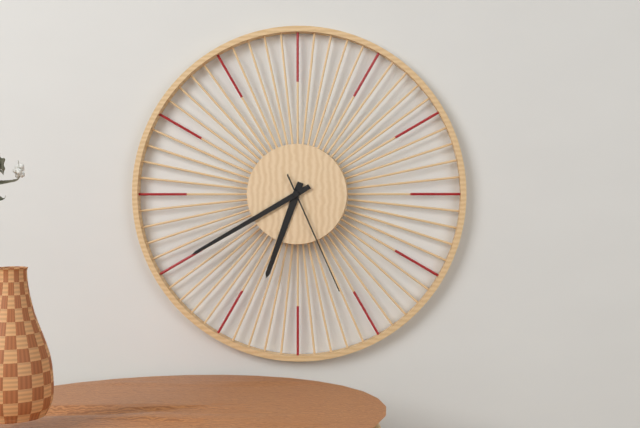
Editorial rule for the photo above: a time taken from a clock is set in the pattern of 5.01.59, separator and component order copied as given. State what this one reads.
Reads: 6.40.26
